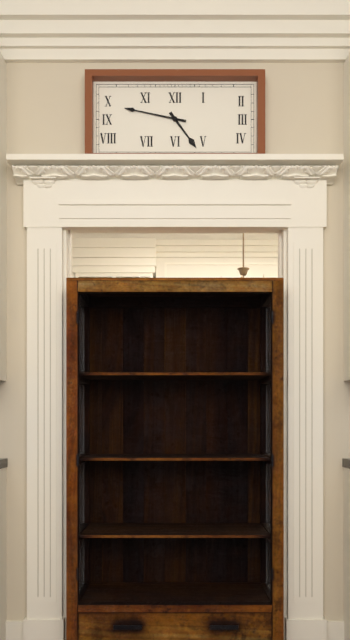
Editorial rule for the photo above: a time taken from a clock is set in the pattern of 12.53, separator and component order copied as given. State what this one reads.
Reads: 4.47
